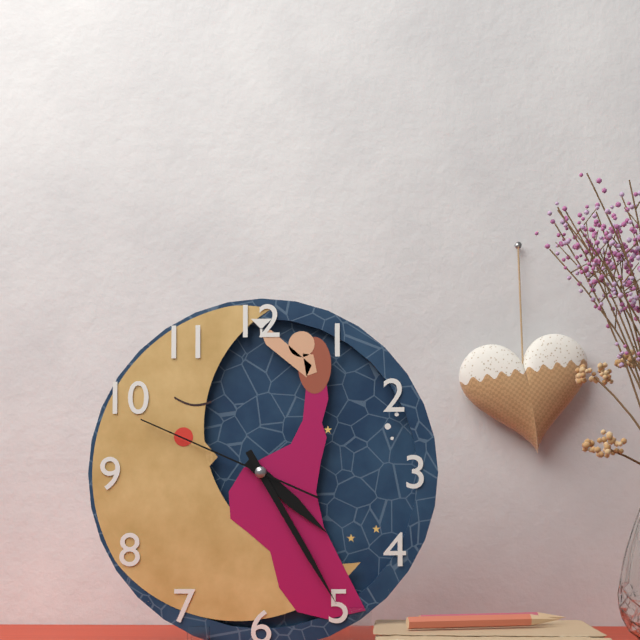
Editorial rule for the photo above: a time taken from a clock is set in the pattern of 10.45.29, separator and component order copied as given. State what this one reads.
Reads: 4.25.49
